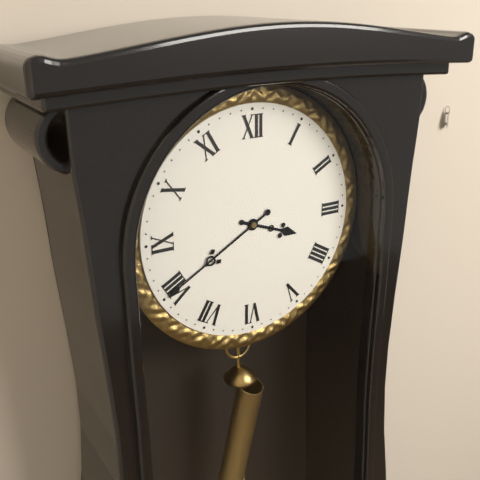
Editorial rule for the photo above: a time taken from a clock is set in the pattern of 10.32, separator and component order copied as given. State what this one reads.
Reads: 3.40
